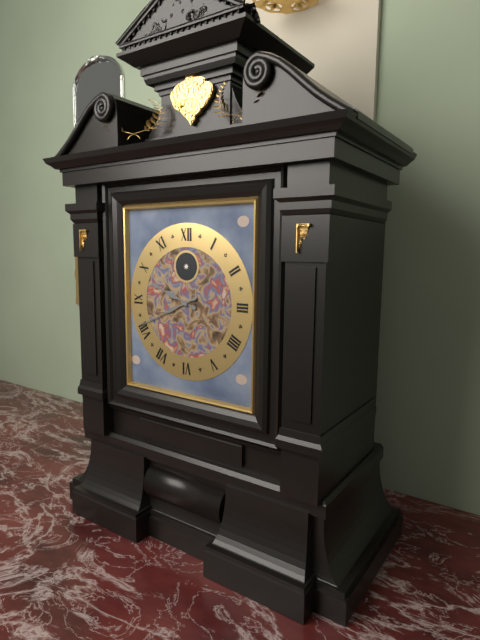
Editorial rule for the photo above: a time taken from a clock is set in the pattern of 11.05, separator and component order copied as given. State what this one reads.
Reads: 9.41
